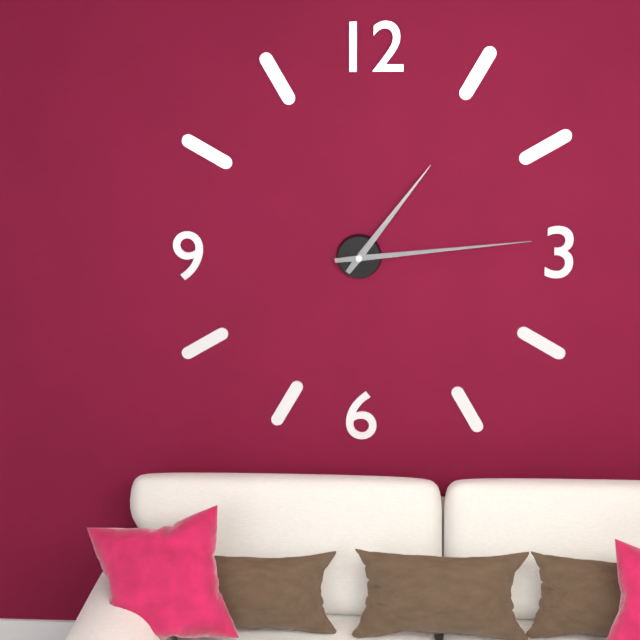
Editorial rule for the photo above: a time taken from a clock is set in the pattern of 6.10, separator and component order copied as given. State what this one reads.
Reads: 1.14
